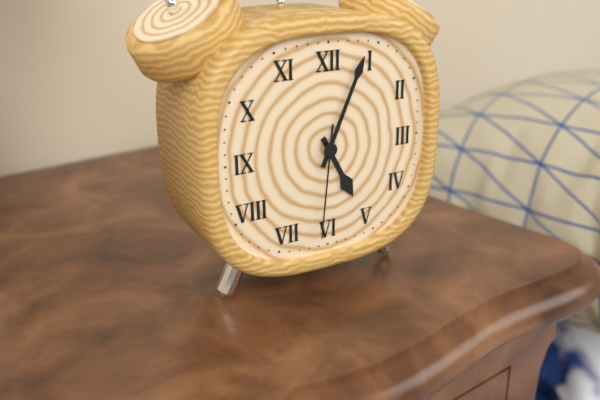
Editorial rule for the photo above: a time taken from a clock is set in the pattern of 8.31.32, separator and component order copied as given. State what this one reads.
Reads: 5.04.31
